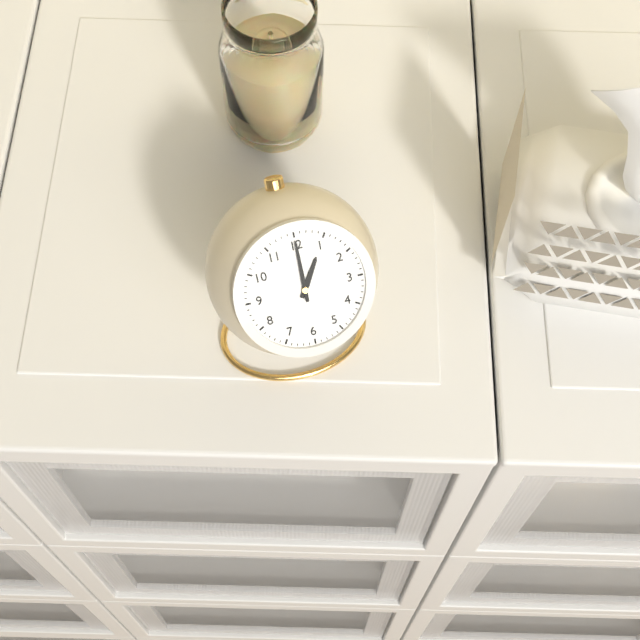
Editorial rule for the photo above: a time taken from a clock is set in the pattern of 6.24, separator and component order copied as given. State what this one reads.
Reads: 1.00
